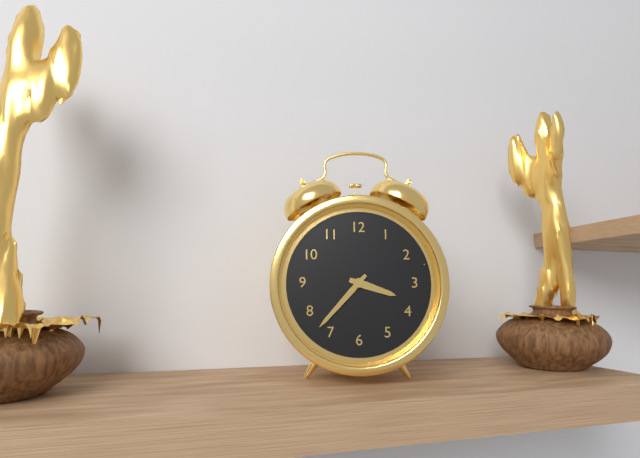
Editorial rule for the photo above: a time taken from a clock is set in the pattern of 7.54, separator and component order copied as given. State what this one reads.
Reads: 3.37
